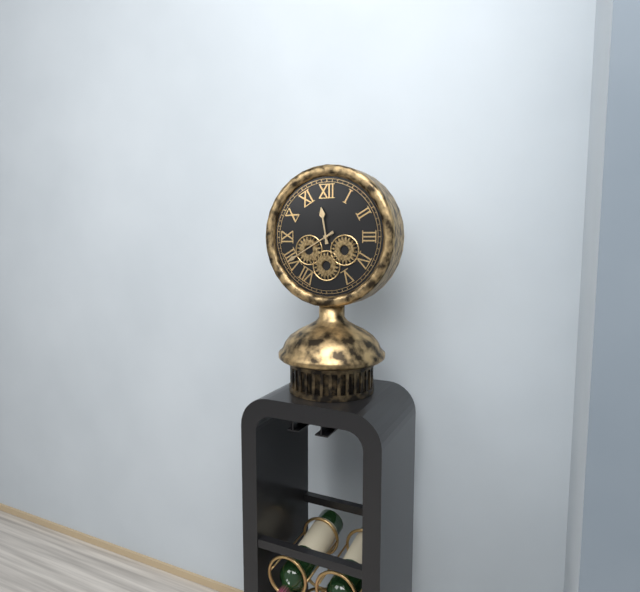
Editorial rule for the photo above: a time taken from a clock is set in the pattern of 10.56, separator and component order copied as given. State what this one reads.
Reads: 11.40
